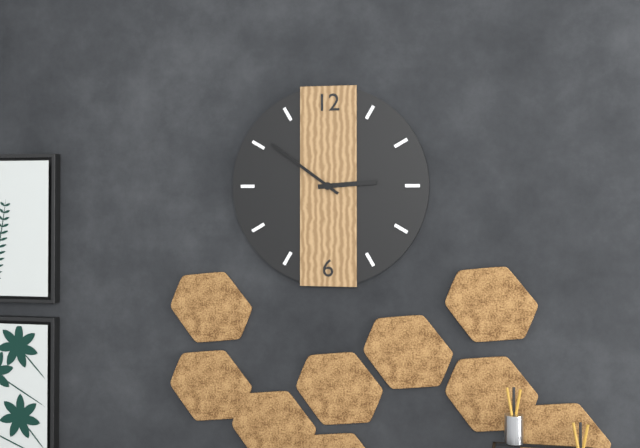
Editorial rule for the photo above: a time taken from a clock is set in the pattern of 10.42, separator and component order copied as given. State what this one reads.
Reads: 2.51
